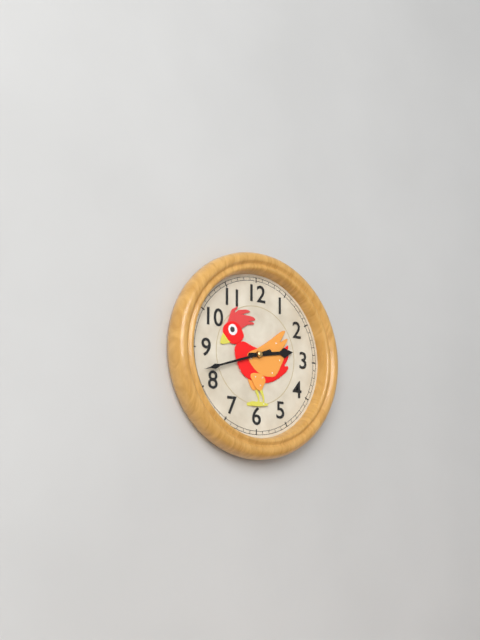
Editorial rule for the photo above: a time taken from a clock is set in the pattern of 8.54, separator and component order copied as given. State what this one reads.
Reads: 2.42
